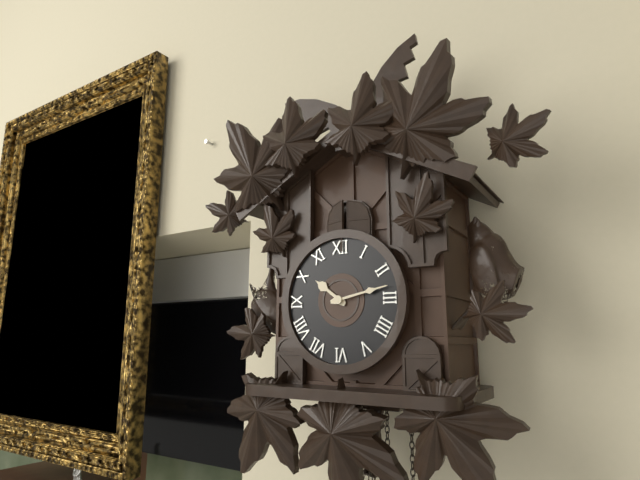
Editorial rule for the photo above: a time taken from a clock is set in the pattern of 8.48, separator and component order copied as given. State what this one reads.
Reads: 10.13
